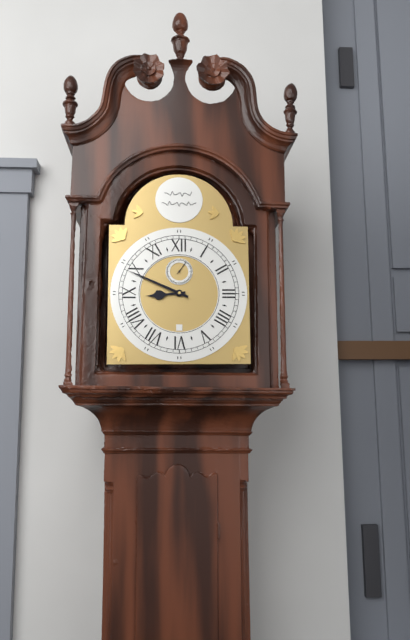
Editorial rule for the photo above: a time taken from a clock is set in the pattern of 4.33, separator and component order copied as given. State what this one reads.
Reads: 8.49
